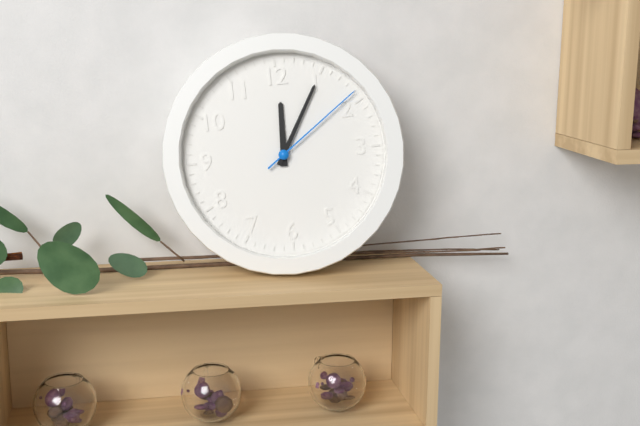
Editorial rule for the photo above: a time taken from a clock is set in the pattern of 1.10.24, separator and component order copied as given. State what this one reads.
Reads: 12.05.09
